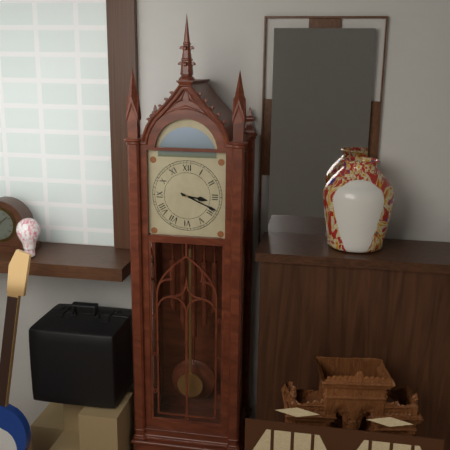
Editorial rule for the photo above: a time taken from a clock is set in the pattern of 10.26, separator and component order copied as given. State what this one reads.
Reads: 3.19
